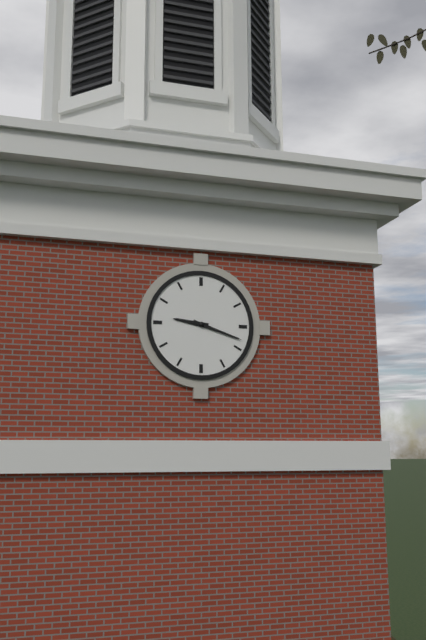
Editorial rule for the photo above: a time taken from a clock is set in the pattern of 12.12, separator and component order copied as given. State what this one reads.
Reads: 9.18
